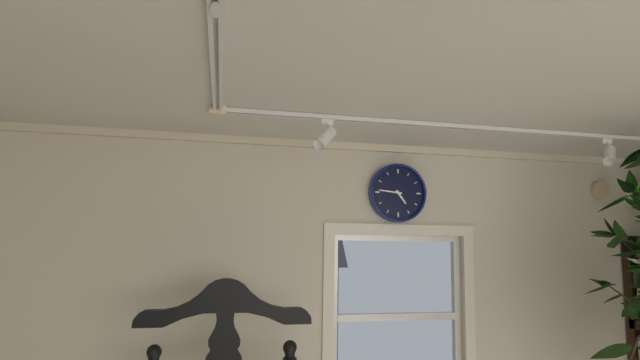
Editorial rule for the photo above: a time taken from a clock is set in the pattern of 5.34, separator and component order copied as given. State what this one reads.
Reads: 4.46
